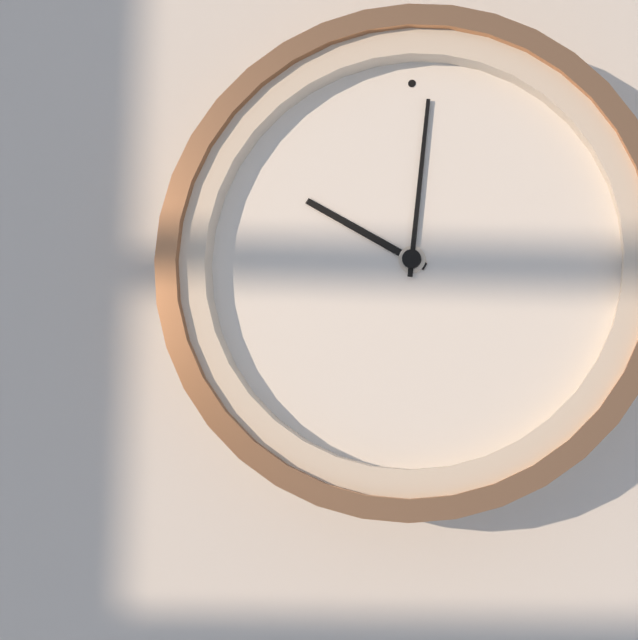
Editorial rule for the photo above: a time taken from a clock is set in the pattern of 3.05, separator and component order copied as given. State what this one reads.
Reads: 10.01
